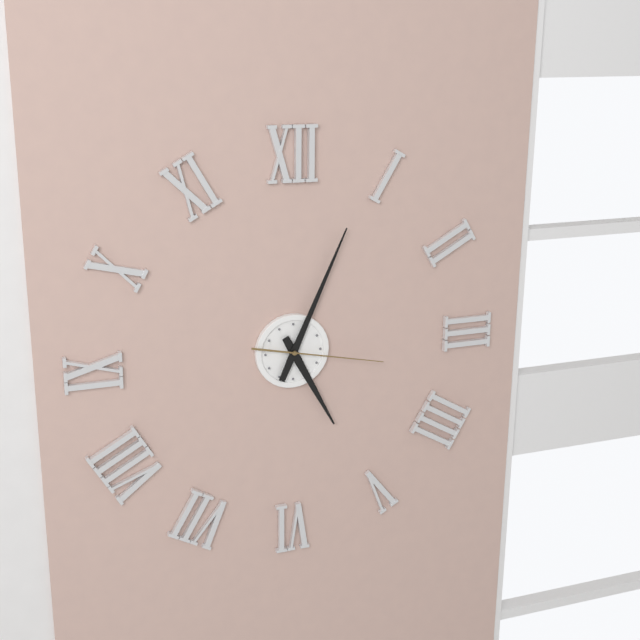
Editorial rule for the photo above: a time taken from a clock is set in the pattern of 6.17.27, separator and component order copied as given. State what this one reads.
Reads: 5.04.17
